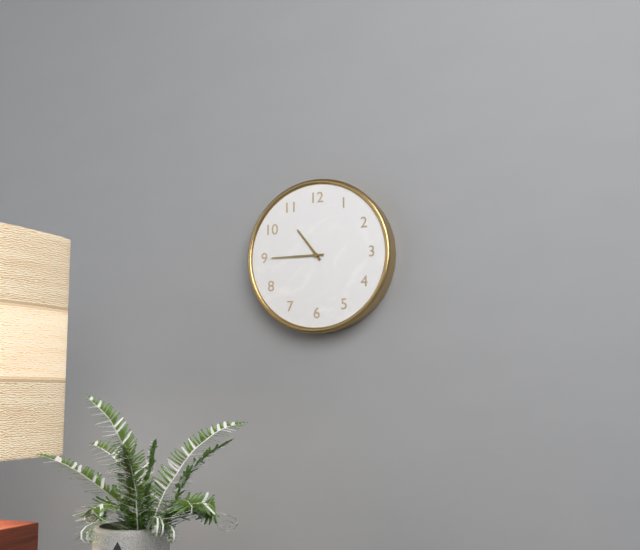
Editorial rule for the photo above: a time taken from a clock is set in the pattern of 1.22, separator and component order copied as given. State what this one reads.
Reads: 10.45
